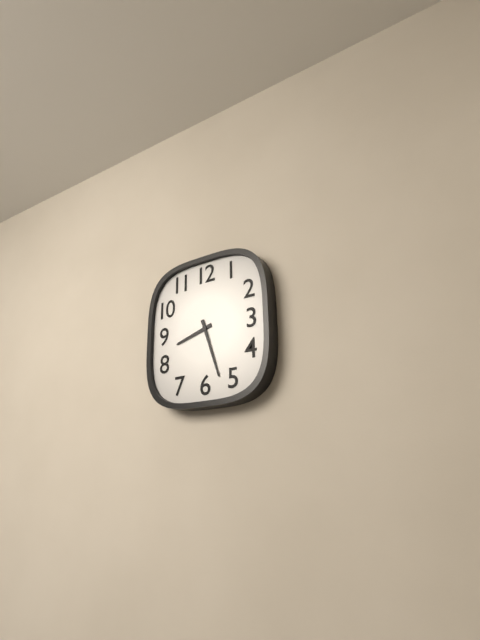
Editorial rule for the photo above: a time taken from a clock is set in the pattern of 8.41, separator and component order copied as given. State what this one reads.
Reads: 8.27
